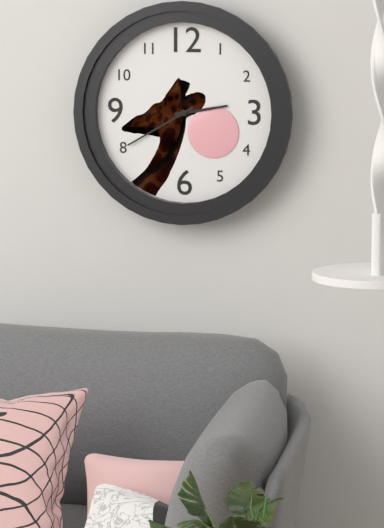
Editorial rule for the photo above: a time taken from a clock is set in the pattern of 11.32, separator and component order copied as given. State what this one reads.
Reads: 2.40
